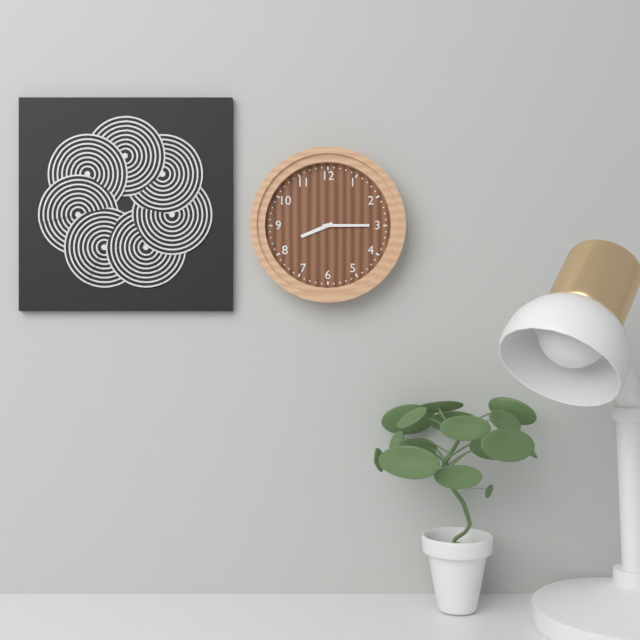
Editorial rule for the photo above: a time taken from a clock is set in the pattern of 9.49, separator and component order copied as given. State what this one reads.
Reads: 8.15
